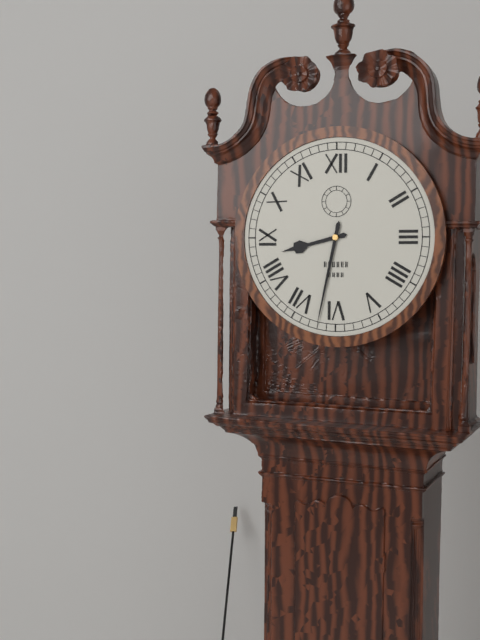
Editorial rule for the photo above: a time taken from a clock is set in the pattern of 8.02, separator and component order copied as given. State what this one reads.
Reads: 8.32
